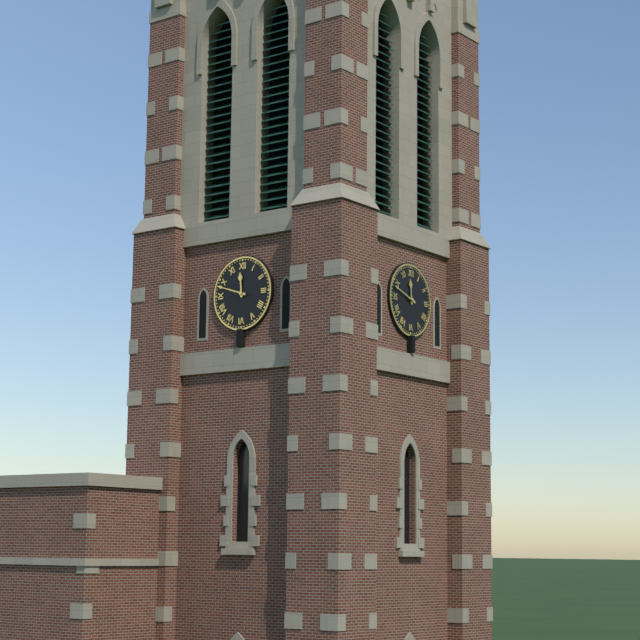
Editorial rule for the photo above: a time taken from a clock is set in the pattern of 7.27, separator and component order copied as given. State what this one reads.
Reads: 11.48
